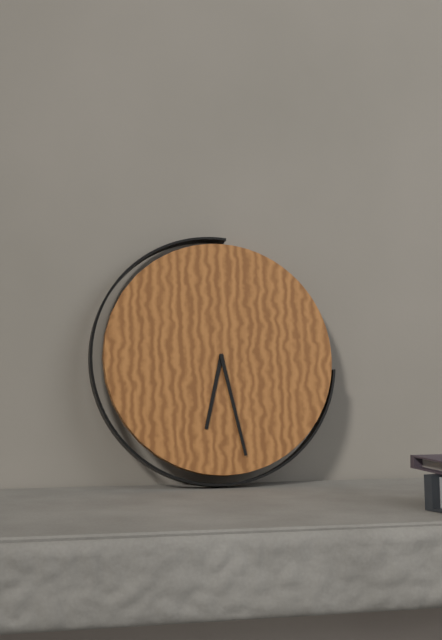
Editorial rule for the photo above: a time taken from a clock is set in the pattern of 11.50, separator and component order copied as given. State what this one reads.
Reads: 6.28
